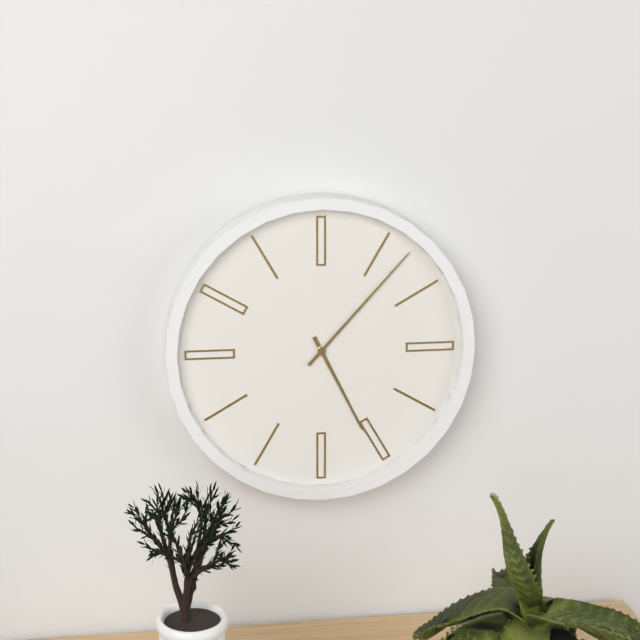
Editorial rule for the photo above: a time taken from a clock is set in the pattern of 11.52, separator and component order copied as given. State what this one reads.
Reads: 5.07
